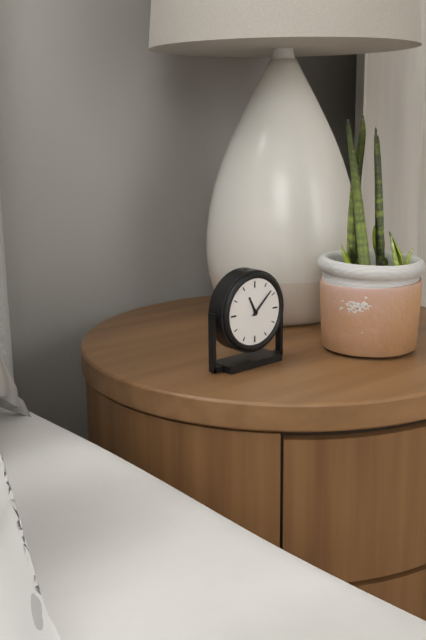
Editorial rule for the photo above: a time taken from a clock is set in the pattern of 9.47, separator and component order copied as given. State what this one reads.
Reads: 11.08
